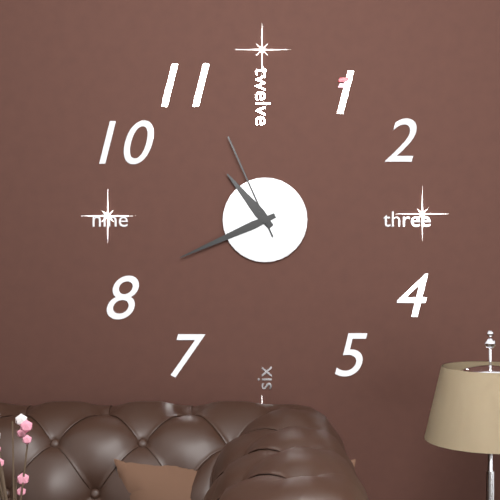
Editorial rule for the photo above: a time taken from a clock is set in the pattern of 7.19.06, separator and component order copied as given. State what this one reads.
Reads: 10.41.56
